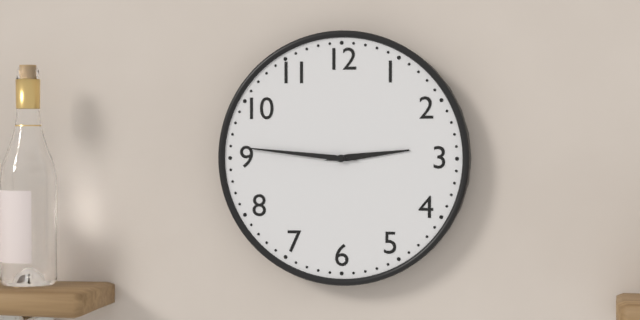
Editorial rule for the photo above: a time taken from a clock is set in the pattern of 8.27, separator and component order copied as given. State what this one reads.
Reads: 2.46
